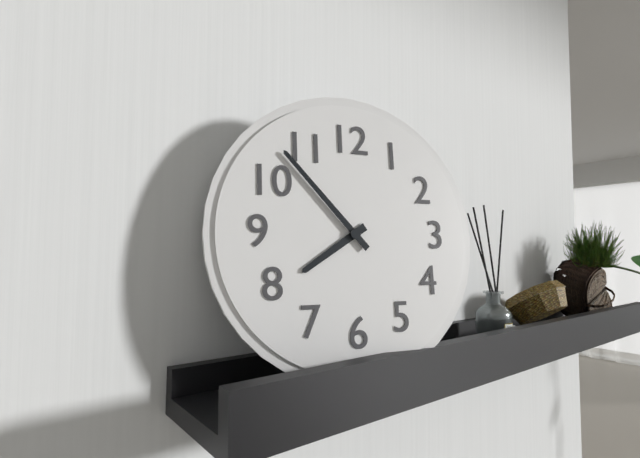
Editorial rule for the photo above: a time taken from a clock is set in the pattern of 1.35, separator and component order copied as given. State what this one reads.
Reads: 7.53
